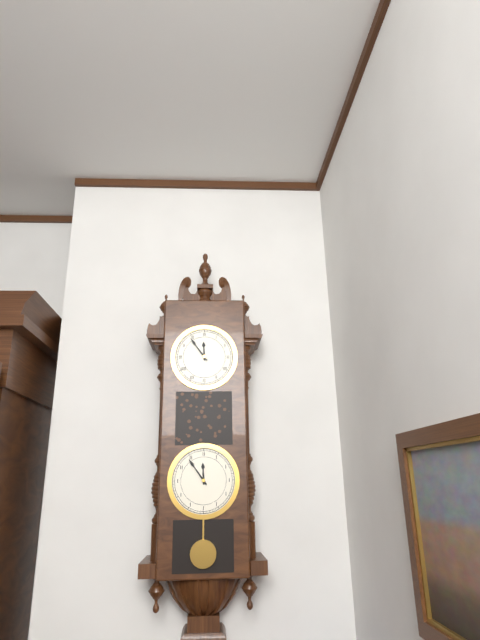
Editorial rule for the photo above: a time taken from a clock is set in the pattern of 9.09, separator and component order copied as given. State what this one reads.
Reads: 11.54
